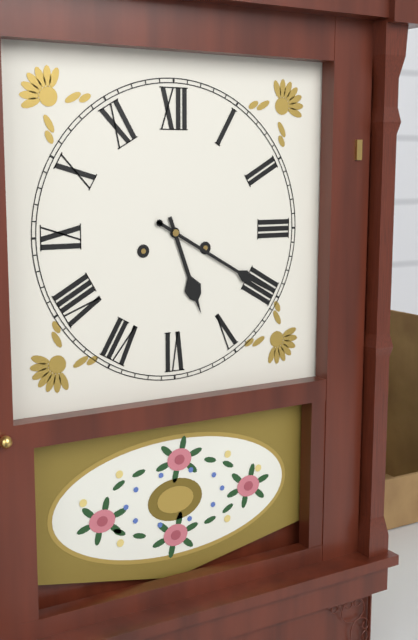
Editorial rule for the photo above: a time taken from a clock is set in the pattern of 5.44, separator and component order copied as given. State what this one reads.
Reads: 5.20
